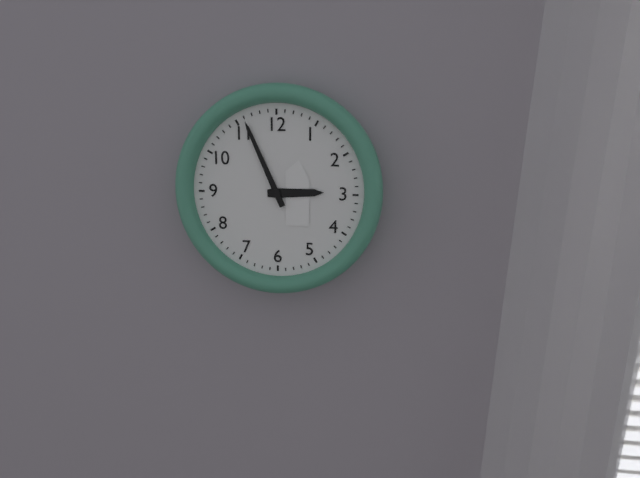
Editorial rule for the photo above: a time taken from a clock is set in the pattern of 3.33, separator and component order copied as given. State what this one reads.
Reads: 2.56
